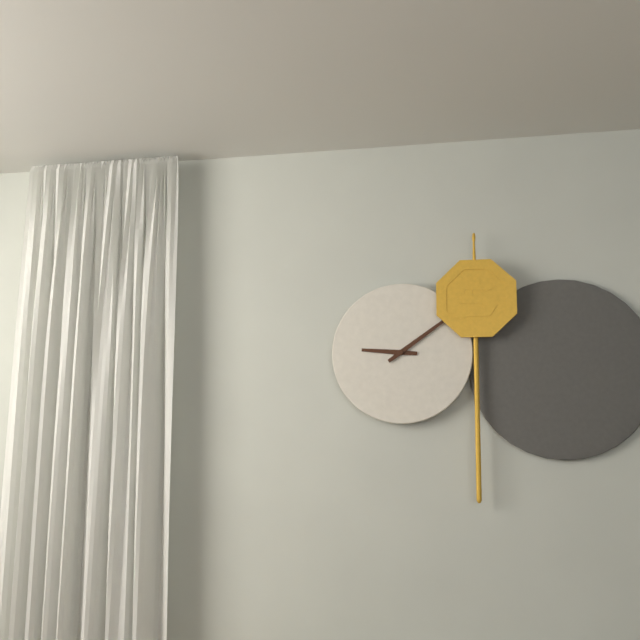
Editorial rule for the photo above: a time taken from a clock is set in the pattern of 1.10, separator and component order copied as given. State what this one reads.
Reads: 9.09
